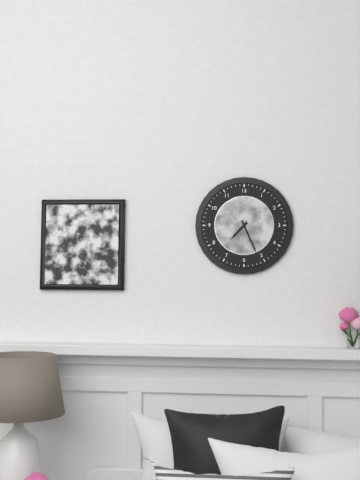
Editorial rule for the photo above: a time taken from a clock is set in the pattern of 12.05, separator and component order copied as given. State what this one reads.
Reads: 7.26
